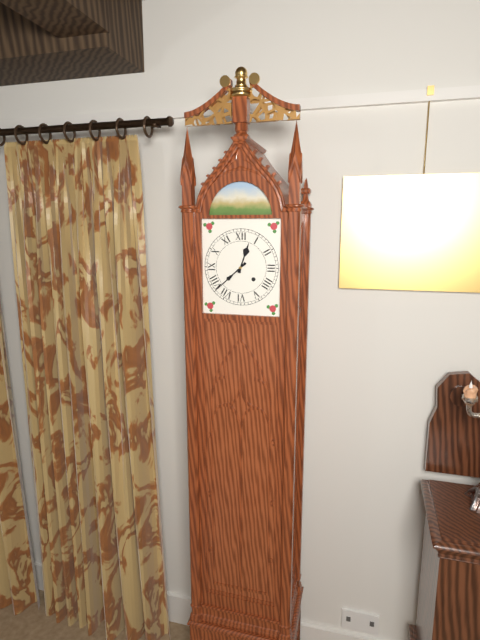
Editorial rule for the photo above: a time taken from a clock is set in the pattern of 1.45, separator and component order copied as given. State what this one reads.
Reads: 12.38
